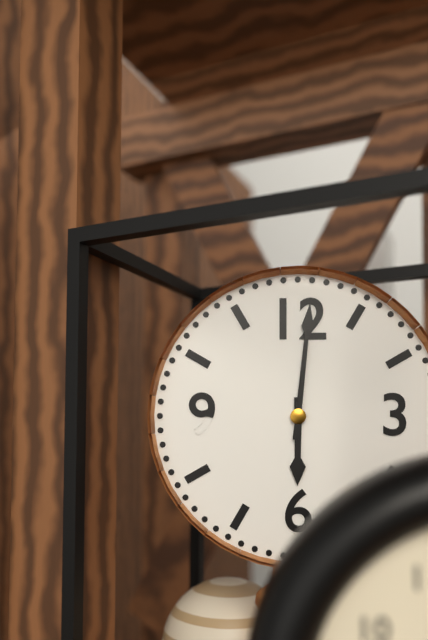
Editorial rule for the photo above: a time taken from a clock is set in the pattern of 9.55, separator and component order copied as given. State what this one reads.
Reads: 6.01
